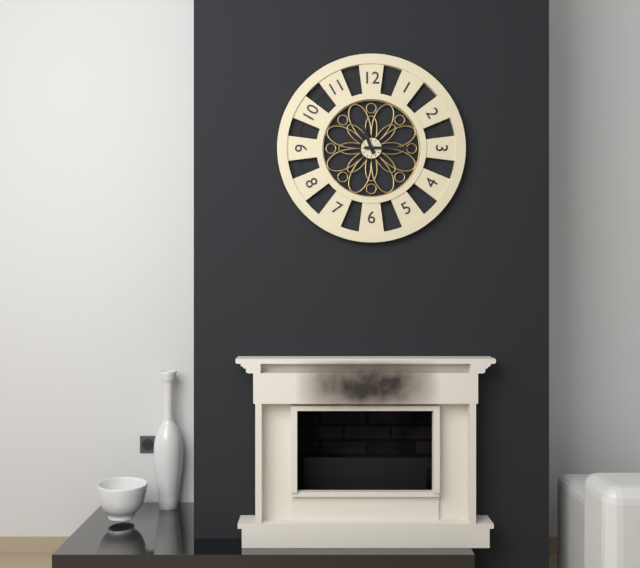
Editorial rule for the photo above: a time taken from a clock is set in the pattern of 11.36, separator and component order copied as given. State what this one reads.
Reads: 11.15
